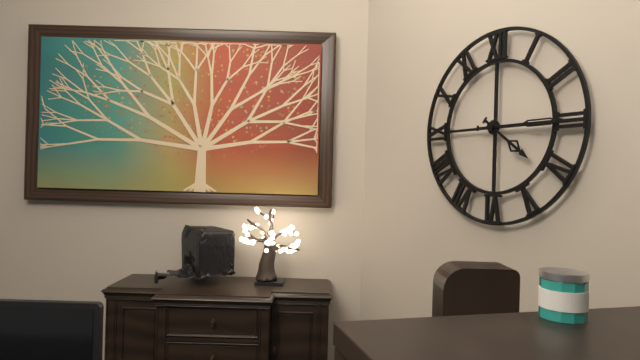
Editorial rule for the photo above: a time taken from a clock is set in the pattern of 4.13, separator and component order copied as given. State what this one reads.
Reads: 4.15
